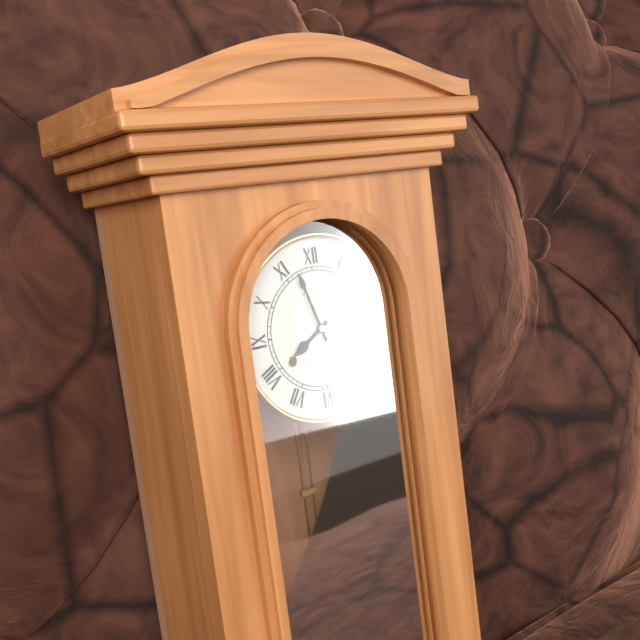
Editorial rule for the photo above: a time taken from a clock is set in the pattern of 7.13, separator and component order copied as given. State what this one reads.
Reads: 7.57
